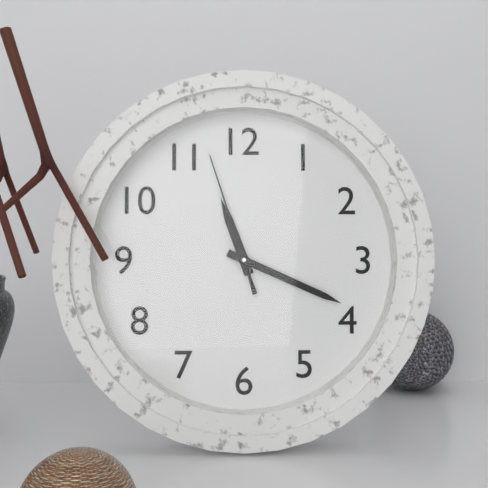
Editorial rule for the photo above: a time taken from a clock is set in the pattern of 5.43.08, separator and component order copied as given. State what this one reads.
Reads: 11.19.57
